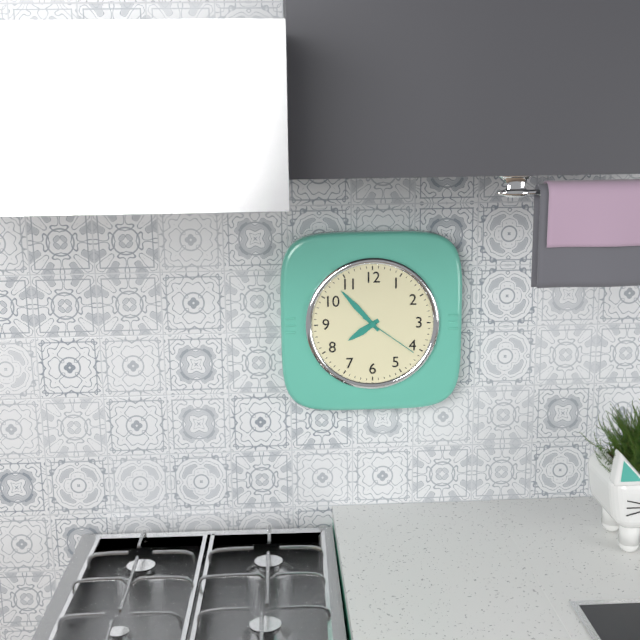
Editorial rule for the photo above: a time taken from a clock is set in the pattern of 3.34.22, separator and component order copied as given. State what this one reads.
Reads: 7.53.21
